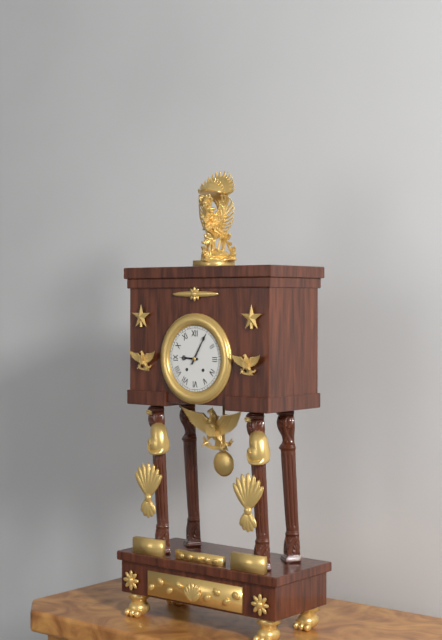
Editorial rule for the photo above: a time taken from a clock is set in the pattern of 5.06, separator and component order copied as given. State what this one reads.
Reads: 9.05
